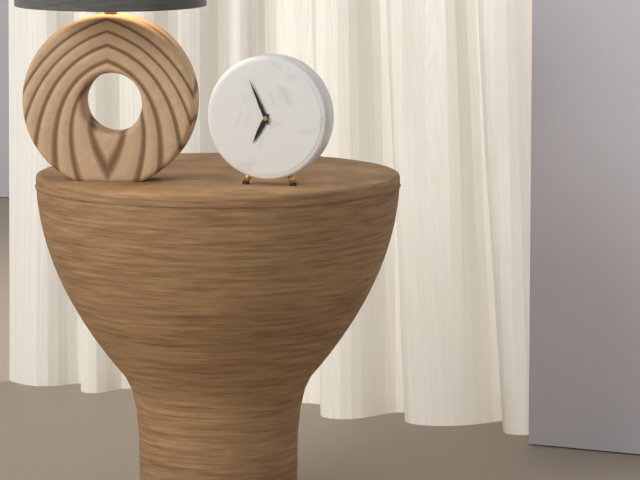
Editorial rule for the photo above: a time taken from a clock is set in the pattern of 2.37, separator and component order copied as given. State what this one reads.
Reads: 6.56
